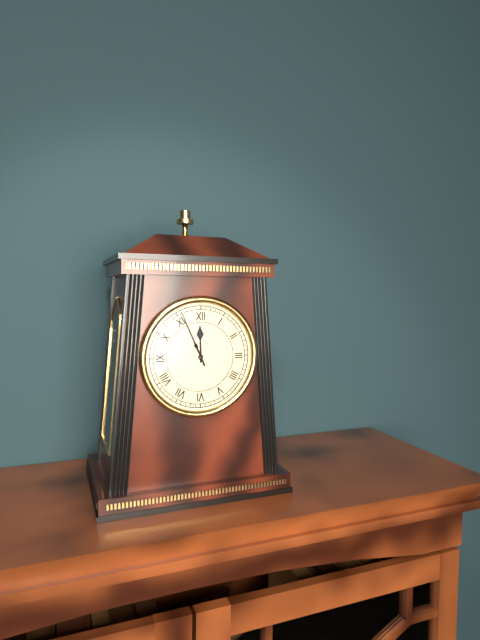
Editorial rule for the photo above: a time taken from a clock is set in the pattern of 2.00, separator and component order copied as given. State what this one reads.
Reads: 11.56
